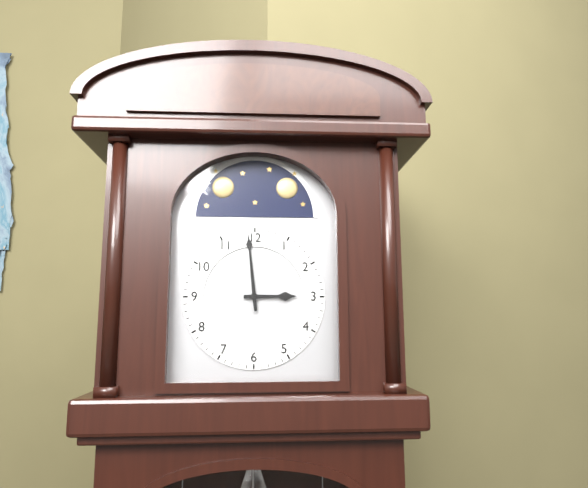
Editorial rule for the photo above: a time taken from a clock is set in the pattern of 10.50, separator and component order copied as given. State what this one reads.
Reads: 2.59
